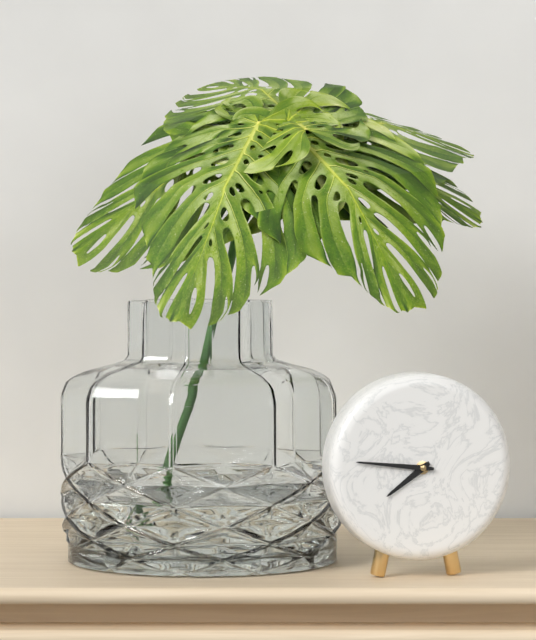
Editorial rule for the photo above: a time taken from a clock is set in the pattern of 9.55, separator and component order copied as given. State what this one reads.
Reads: 7.46
